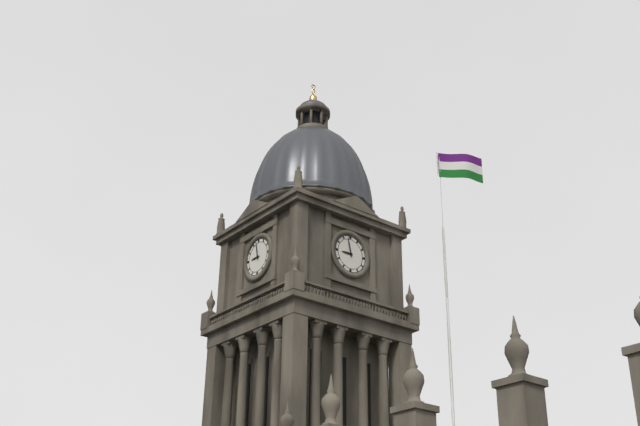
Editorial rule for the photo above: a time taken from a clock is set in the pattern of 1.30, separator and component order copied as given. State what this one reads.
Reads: 8.58
